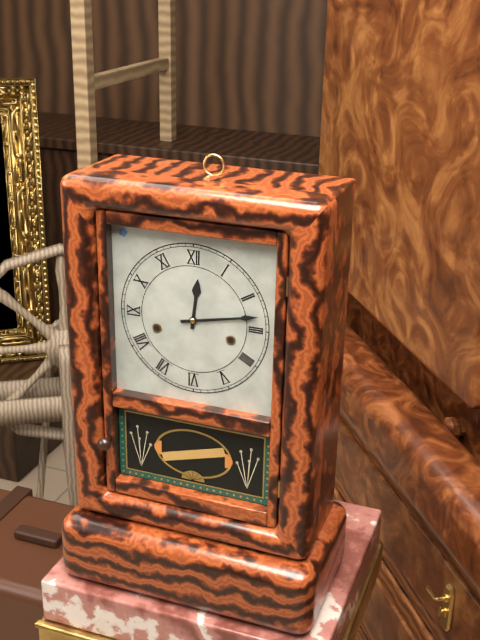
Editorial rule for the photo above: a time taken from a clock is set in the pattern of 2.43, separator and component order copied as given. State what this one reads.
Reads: 12.13
